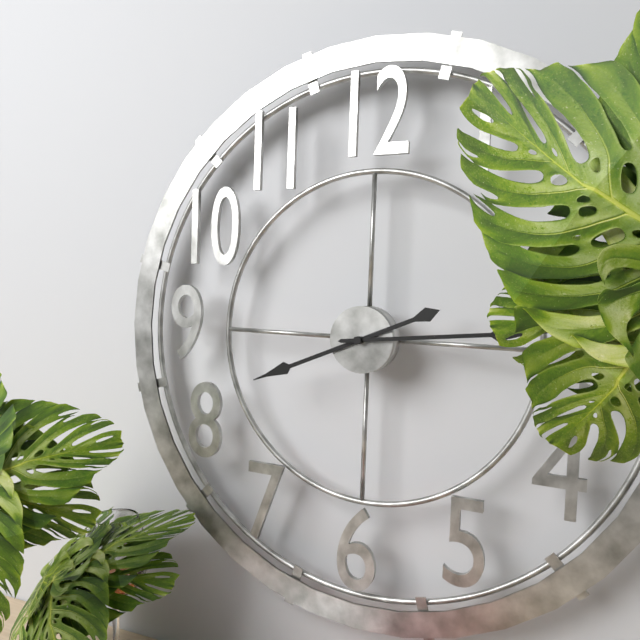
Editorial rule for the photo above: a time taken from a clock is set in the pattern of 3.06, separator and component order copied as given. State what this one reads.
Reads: 8.14
